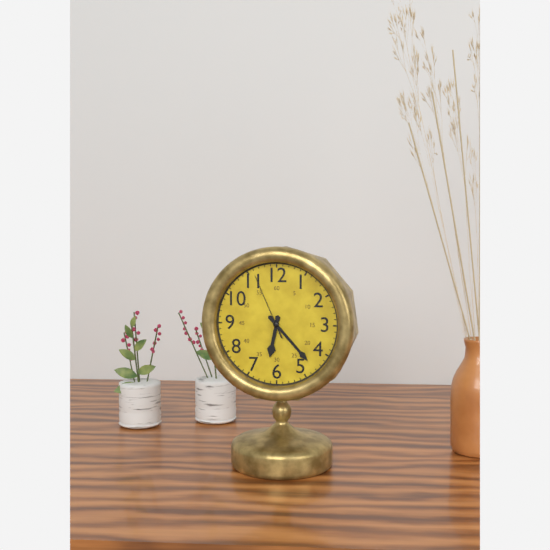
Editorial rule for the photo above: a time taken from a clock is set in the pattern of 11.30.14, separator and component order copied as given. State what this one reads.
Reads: 6.23.56
